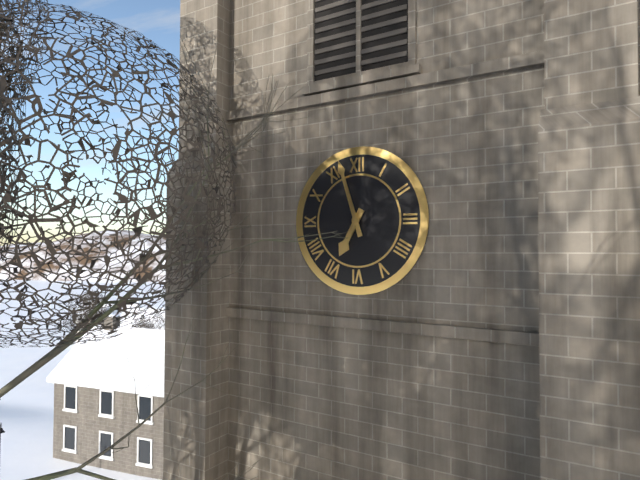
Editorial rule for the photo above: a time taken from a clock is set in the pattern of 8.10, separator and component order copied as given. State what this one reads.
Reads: 6.57
